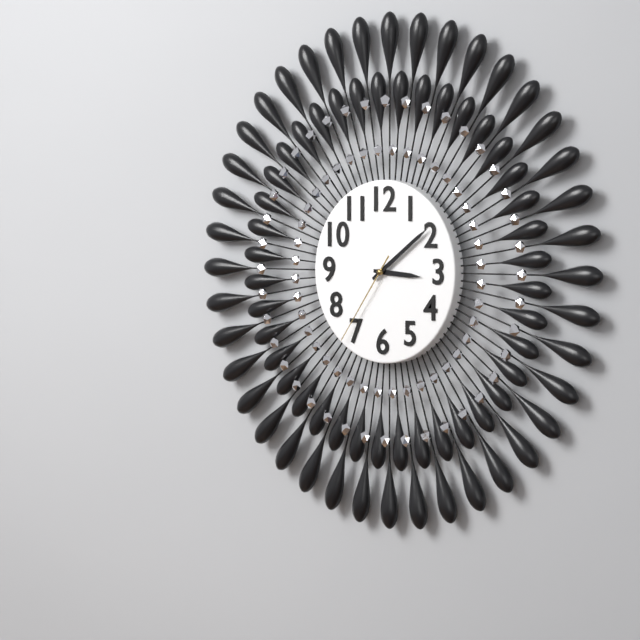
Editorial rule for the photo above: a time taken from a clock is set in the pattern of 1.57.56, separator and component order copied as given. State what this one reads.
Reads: 3.09.36
